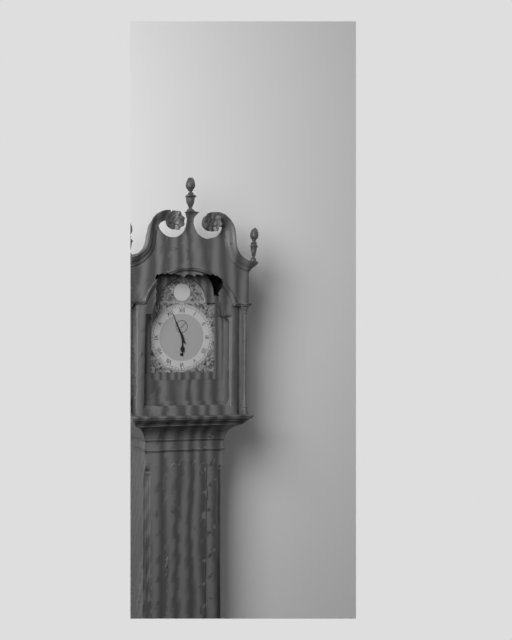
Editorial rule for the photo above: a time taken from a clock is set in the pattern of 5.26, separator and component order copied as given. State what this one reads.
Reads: 5.56
